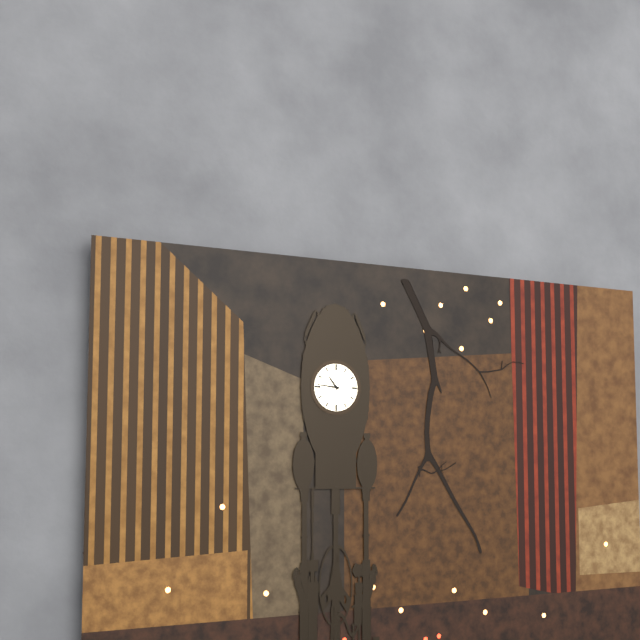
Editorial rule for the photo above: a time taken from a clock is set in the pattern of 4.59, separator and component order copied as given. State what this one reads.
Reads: 10.46
